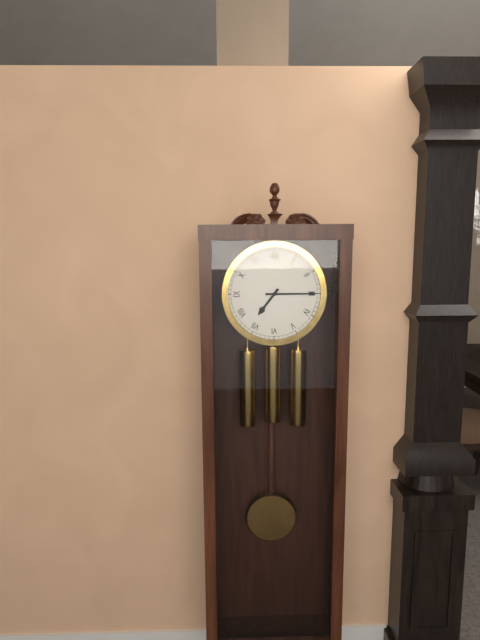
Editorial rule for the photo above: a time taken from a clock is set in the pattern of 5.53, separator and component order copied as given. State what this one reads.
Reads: 7.15
